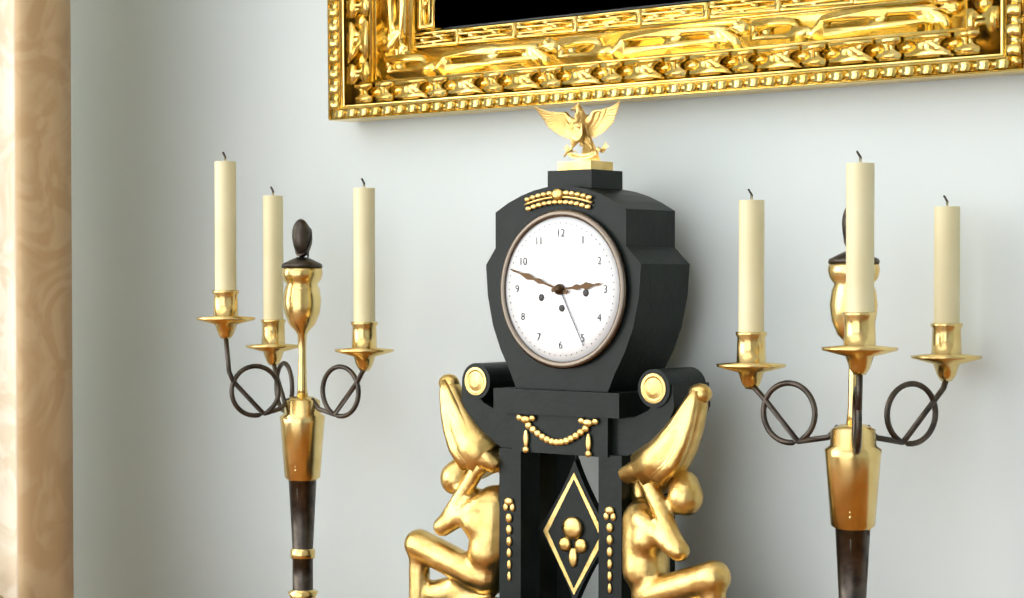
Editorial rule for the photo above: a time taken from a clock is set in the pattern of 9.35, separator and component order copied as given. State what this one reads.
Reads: 2.48
